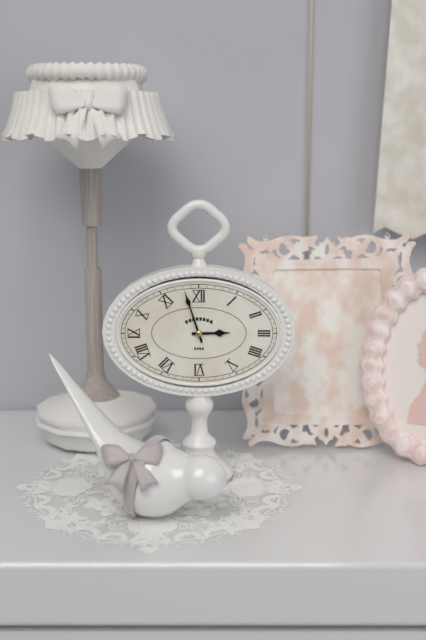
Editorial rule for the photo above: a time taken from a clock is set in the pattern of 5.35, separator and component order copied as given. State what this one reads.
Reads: 2.57
